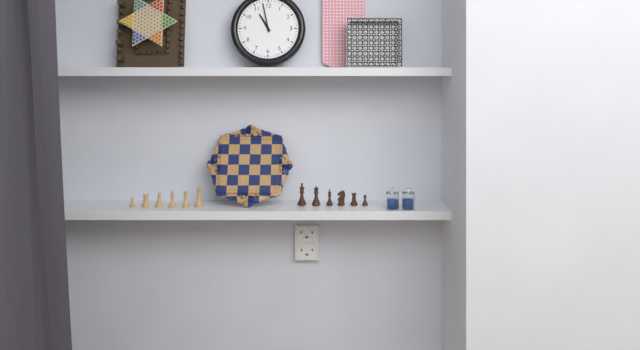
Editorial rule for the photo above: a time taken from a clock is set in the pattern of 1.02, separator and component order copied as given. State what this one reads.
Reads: 10.58
